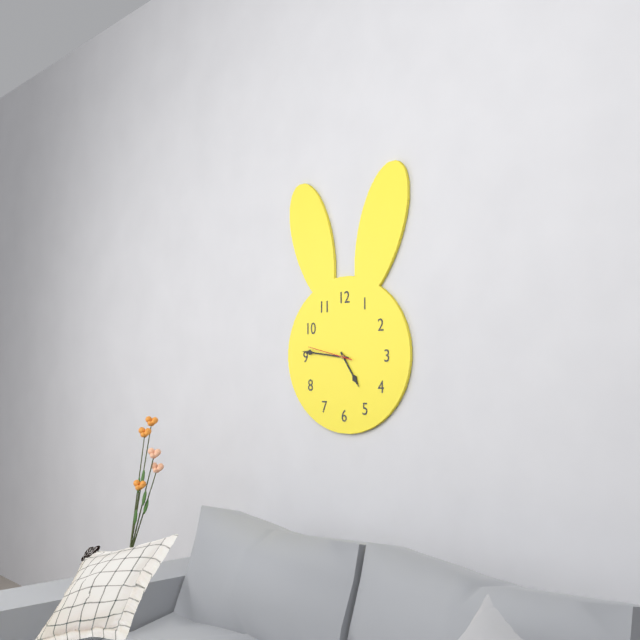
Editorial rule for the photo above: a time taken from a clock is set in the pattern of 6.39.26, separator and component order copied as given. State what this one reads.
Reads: 4.46.47
